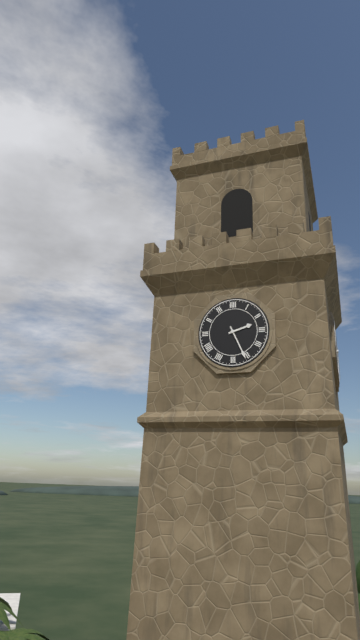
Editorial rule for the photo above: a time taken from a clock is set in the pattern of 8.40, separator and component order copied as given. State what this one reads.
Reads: 2.26
